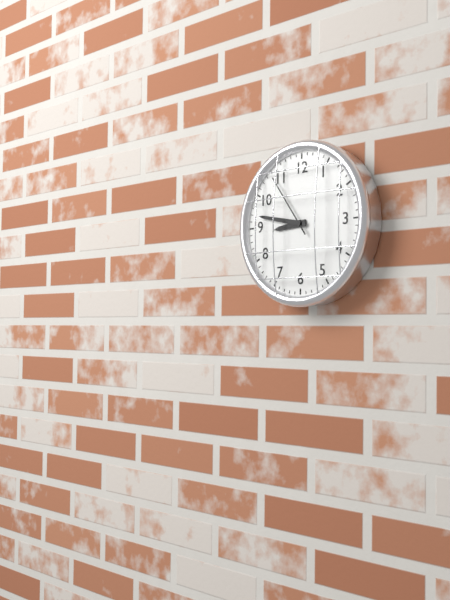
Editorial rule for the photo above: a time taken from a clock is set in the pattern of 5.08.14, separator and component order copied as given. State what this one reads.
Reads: 8.47.54
